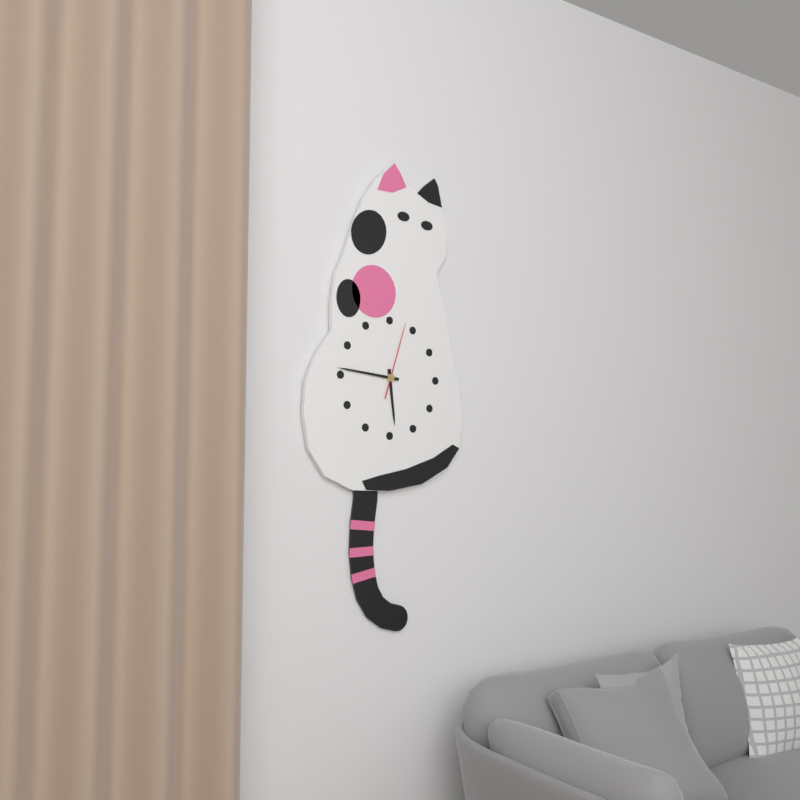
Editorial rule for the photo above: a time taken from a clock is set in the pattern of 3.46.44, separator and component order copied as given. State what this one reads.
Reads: 5.46.03
